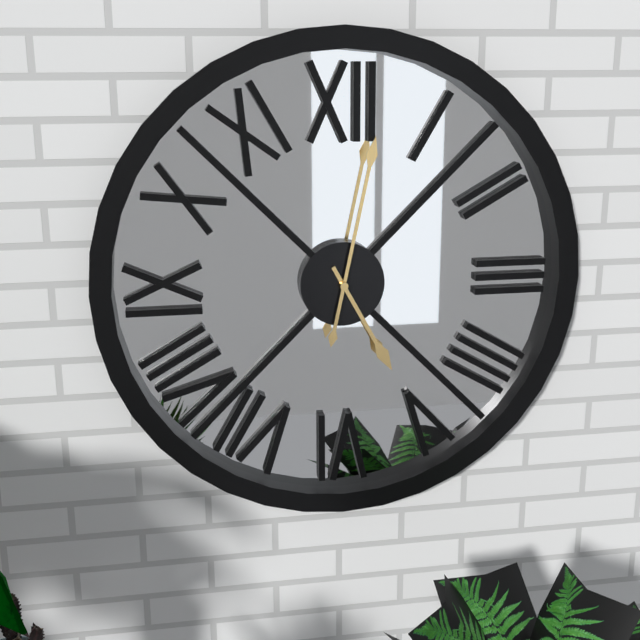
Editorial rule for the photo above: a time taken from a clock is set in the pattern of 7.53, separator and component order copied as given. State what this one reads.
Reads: 5.02
